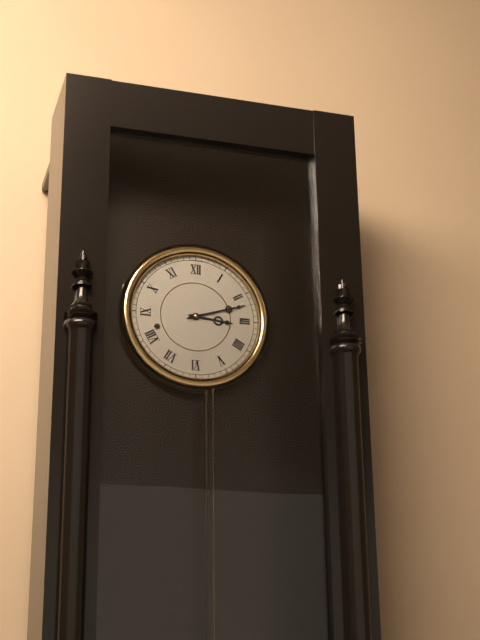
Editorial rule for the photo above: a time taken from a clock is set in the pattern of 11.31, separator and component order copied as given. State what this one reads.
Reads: 3.12
